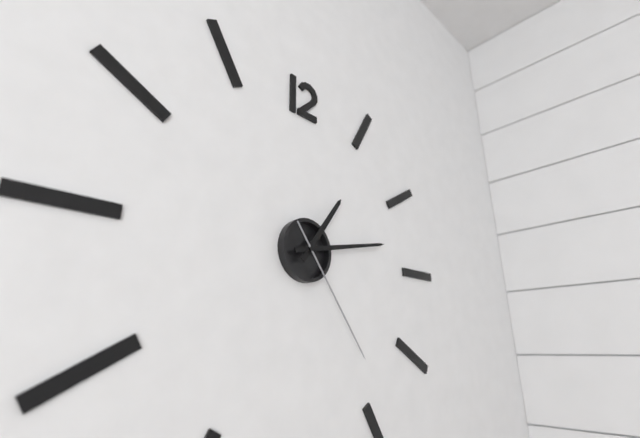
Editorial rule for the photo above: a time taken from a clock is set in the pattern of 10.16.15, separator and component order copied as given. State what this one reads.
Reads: 1.13.24
